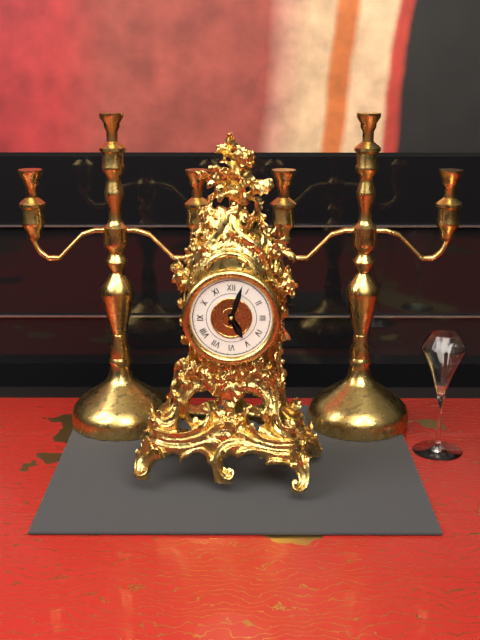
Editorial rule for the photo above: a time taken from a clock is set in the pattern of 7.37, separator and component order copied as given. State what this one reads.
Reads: 5.03
